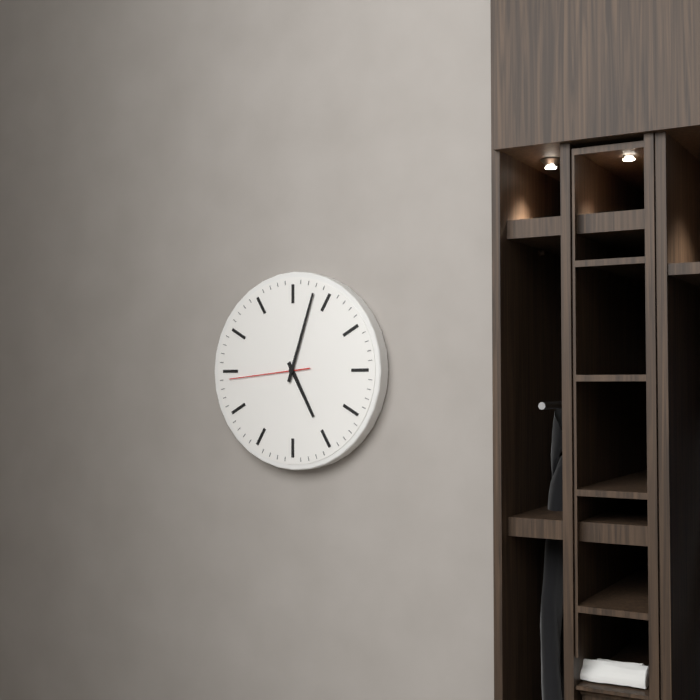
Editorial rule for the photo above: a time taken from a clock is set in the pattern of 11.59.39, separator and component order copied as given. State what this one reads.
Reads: 5.03.44
